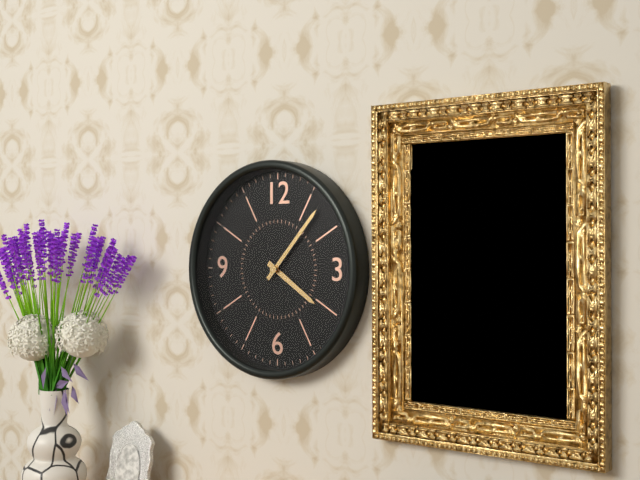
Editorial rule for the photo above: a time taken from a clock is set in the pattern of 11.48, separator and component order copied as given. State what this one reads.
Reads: 4.07
